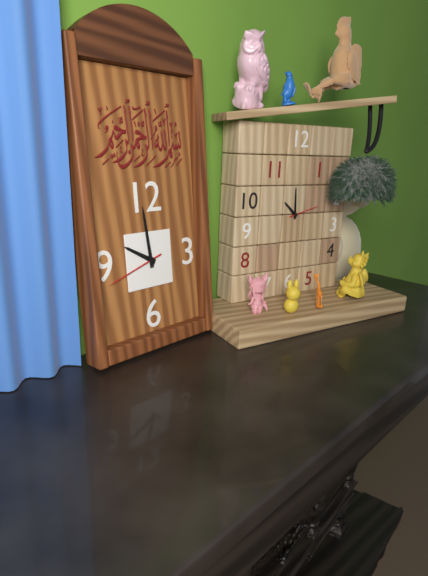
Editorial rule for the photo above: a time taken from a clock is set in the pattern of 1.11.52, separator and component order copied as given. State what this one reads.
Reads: 9.59.42
